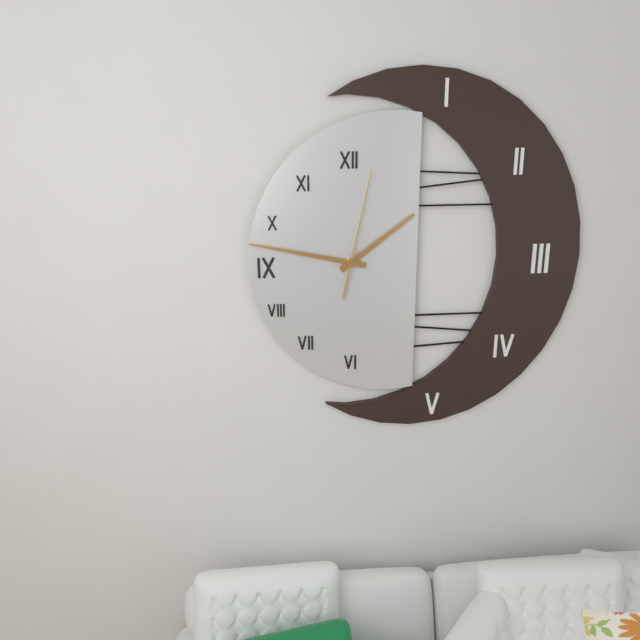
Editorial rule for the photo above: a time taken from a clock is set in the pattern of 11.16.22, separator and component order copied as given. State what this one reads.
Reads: 1.47.02
